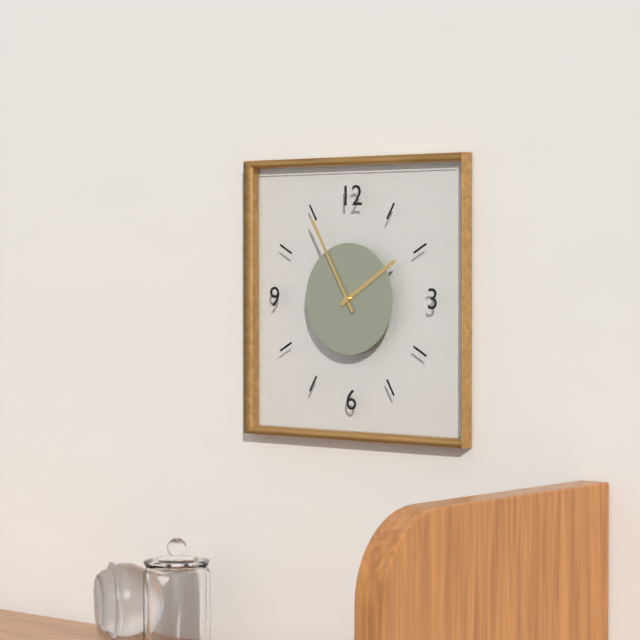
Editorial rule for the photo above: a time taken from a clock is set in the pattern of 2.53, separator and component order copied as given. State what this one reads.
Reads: 1.55
